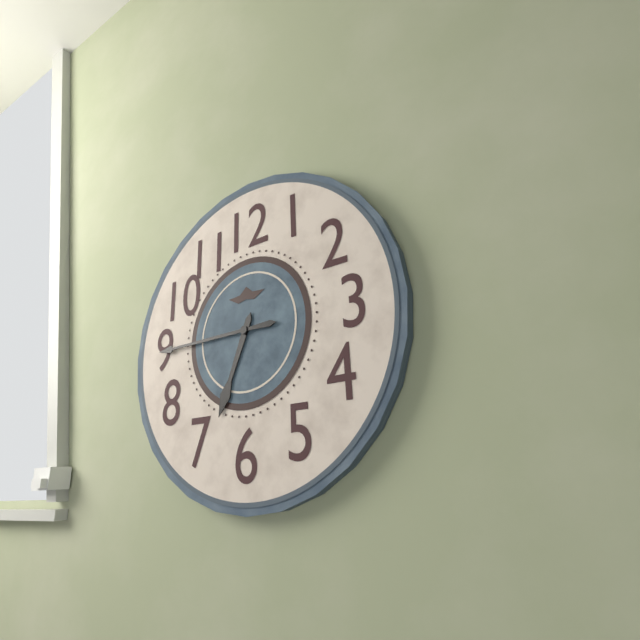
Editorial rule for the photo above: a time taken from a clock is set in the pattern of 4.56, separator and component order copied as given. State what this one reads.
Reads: 6.45
